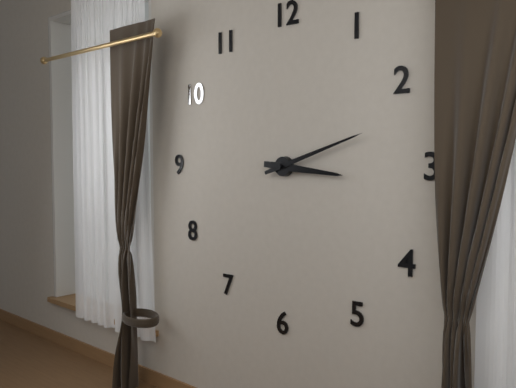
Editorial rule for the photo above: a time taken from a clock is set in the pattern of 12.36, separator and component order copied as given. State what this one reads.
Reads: 3.12
